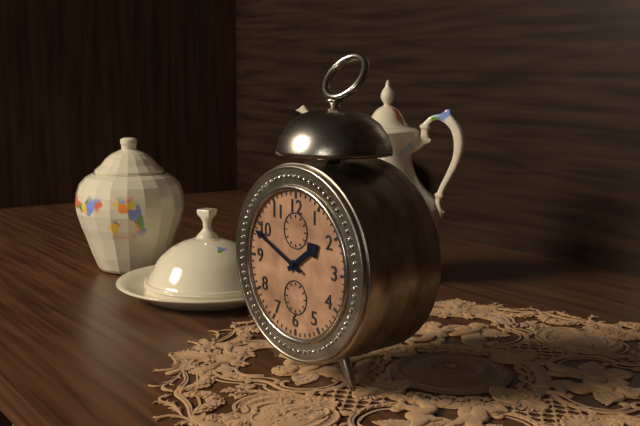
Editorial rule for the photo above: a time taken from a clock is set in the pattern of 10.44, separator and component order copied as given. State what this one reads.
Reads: 1.49
